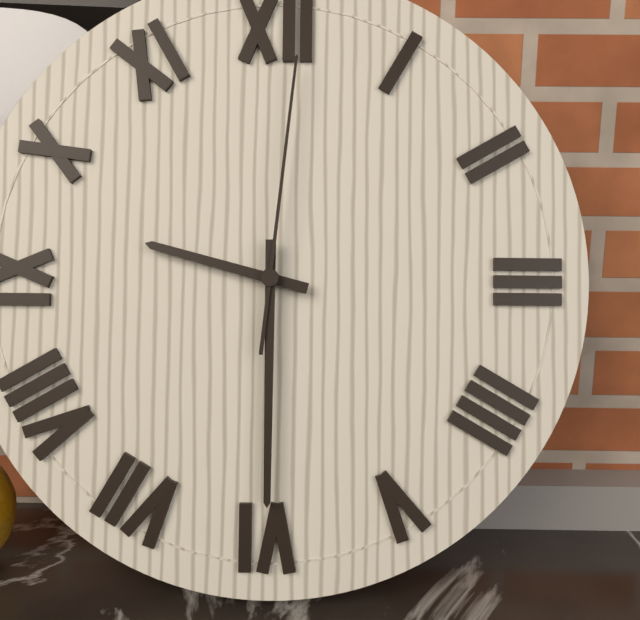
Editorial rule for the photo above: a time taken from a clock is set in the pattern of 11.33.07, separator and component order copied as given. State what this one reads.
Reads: 9.30.01
